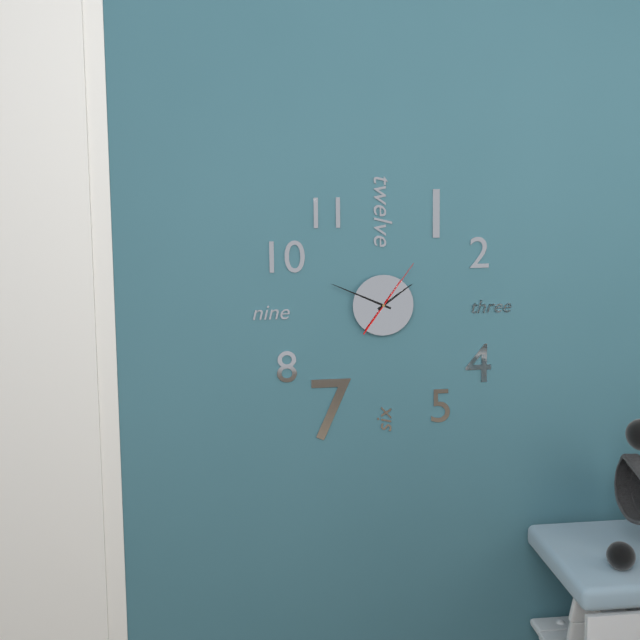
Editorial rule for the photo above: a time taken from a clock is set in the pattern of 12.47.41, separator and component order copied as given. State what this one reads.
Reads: 1.49.06
